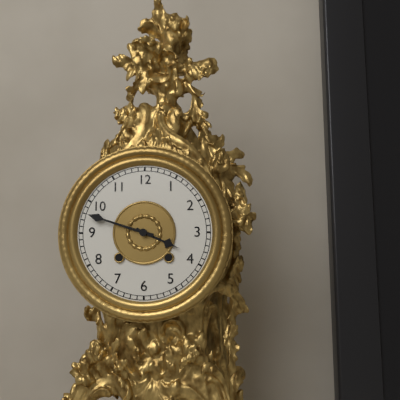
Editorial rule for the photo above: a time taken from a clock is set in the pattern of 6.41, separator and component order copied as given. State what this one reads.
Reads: 3.48
